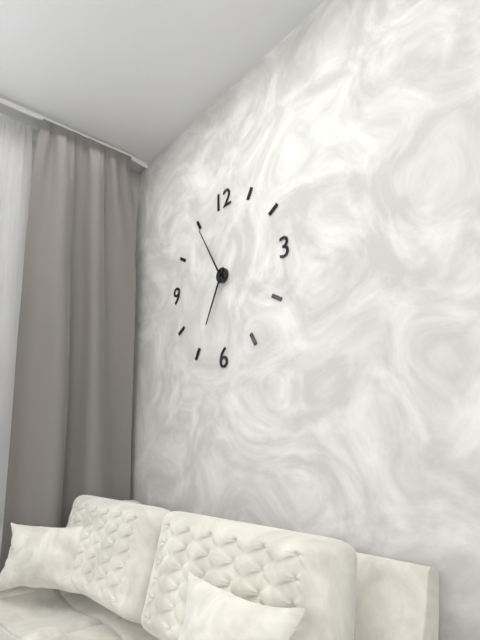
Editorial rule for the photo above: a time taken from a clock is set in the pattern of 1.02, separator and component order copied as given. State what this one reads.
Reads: 6.55
